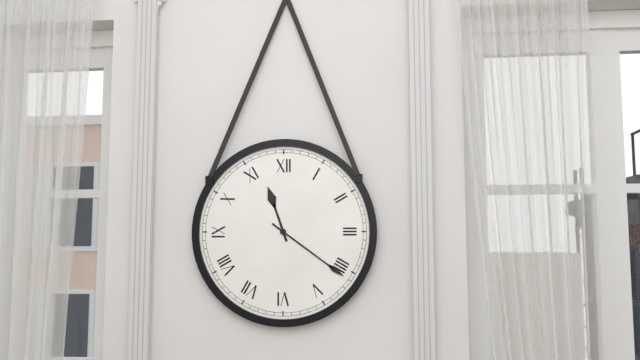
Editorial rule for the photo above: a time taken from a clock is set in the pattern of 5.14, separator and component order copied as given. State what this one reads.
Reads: 11.21
